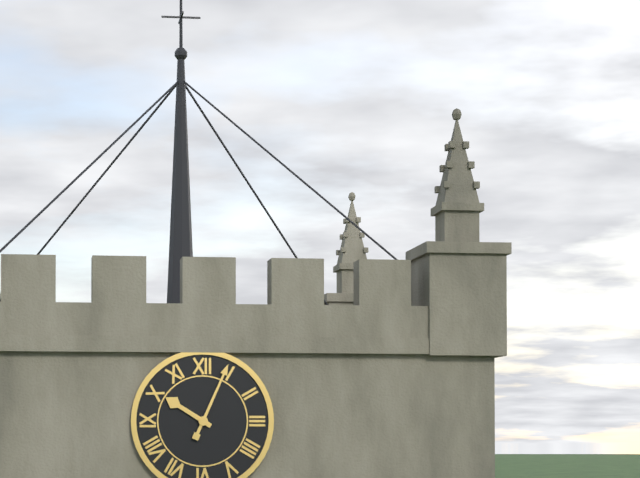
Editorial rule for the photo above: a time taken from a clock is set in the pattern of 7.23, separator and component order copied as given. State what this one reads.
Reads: 10.04
